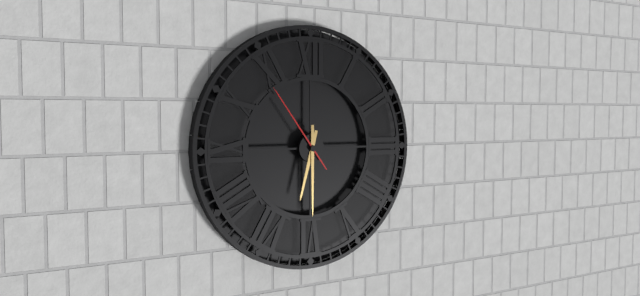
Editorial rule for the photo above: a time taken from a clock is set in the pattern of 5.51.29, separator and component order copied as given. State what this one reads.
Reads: 6.30.54
